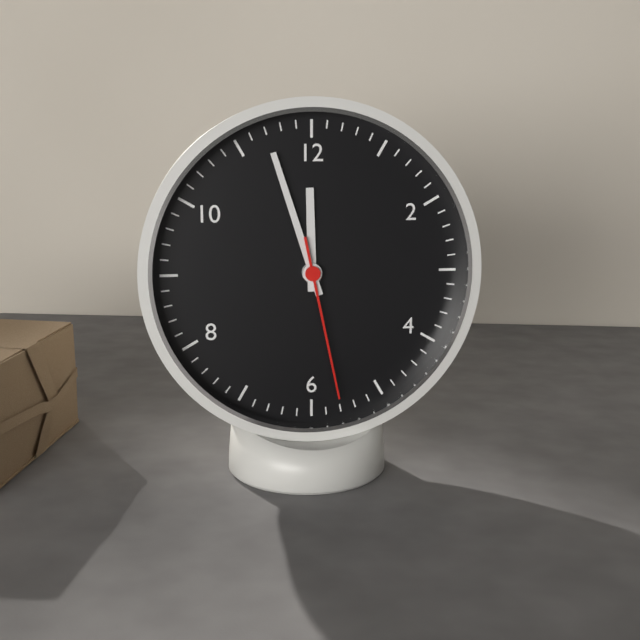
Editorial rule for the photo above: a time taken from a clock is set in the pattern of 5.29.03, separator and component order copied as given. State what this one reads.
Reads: 11.57.28
